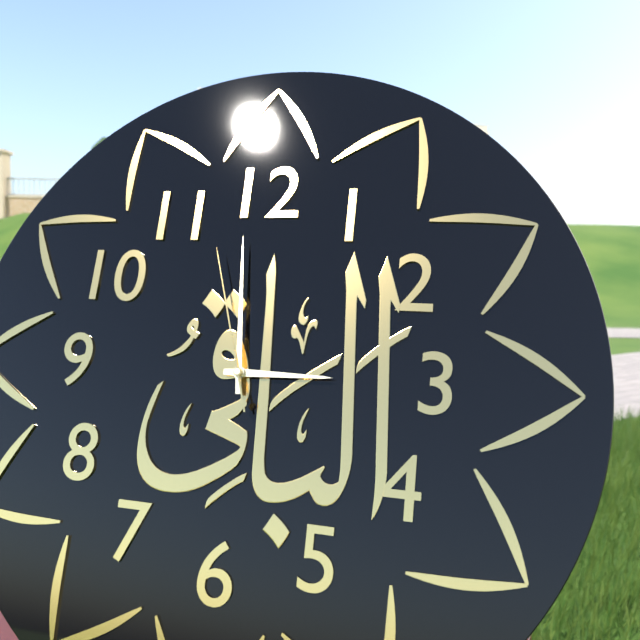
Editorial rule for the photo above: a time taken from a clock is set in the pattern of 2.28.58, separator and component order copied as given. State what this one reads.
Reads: 2.59.57
